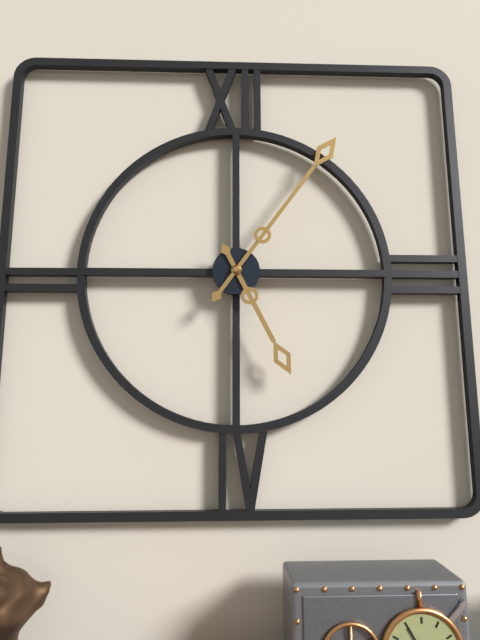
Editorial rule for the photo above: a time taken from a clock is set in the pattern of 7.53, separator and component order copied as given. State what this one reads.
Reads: 5.06
